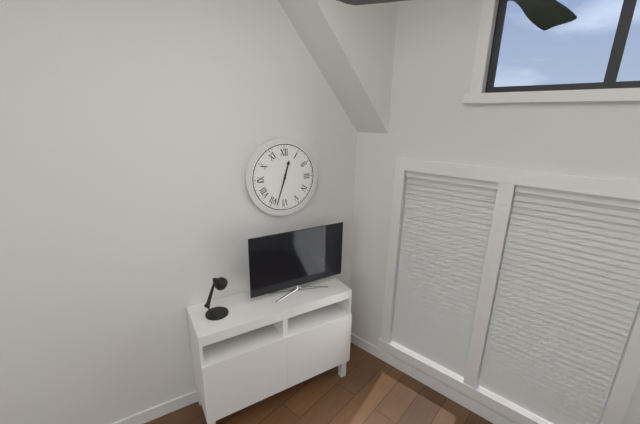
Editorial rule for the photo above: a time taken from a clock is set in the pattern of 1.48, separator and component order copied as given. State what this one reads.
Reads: 12.33
